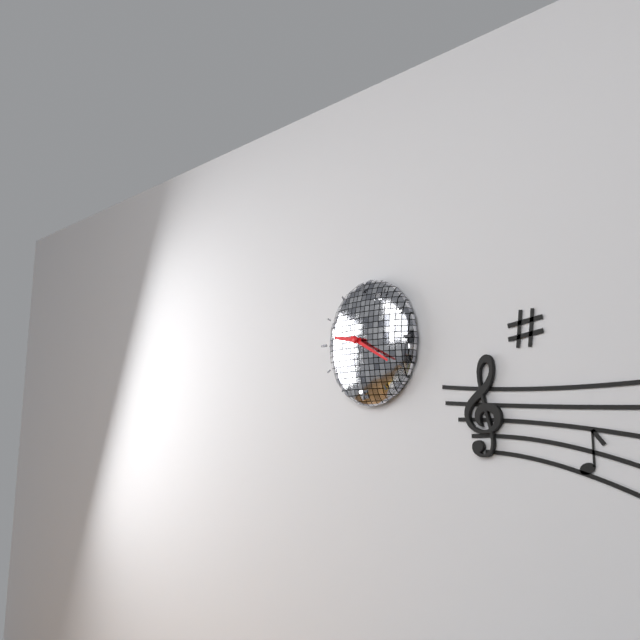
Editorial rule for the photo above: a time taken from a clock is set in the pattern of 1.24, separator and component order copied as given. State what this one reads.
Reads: 9.20
